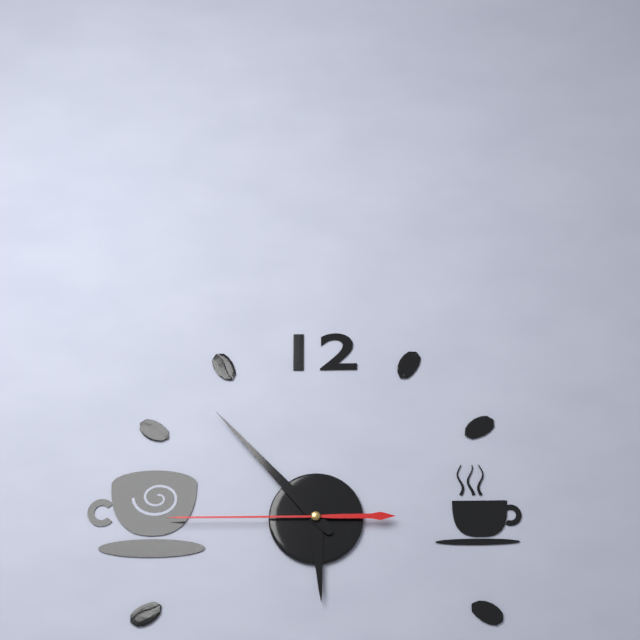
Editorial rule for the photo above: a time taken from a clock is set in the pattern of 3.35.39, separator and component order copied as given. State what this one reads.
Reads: 5.53.45
